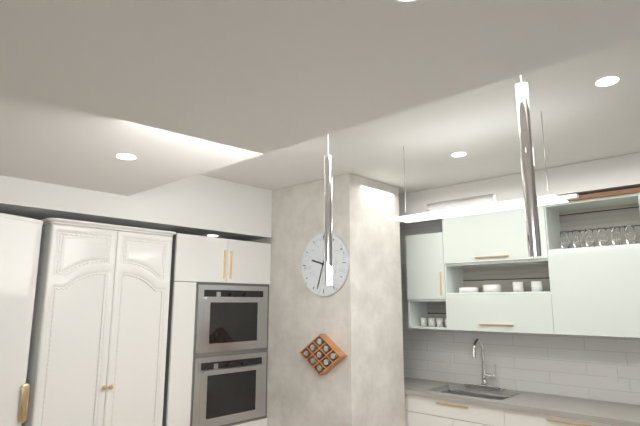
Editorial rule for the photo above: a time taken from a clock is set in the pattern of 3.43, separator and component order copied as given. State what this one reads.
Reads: 9.33
